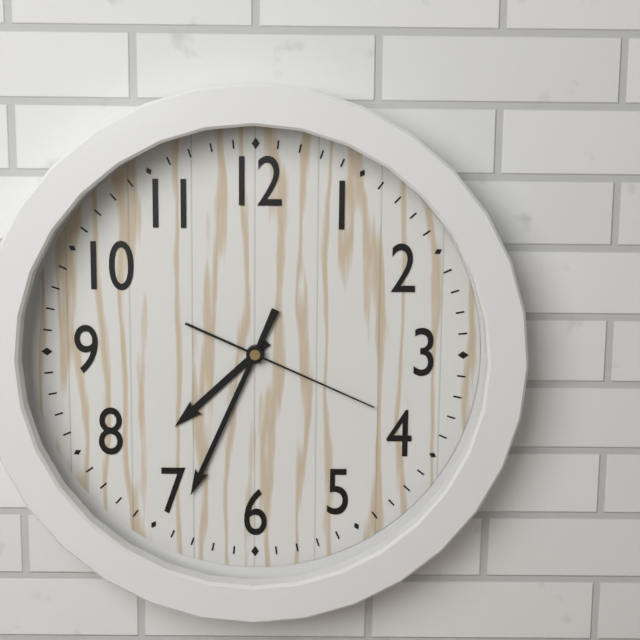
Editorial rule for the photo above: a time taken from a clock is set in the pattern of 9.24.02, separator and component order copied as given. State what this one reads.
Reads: 7.34.19
